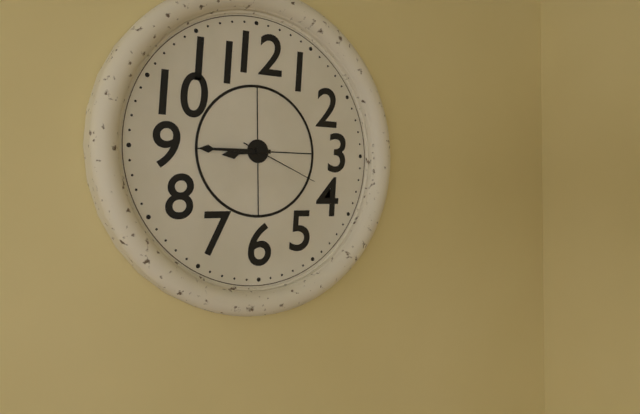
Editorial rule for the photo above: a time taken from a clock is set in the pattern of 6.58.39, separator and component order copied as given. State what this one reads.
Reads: 8.45.19
